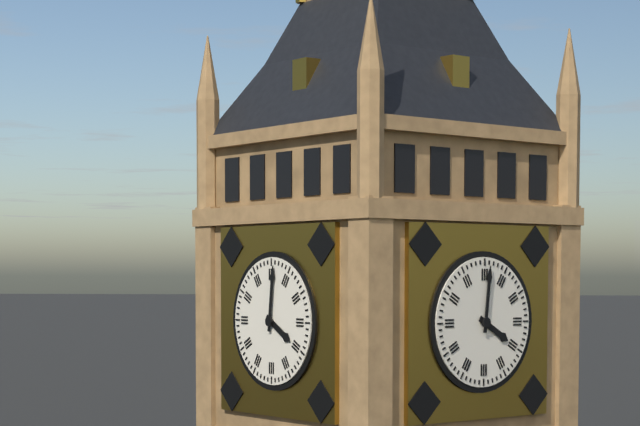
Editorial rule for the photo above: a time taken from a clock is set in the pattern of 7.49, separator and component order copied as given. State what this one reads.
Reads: 4.01
